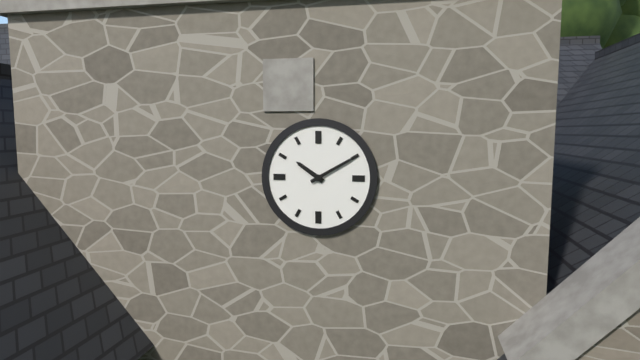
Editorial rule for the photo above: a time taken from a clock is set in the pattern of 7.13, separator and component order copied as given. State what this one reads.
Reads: 10.10
